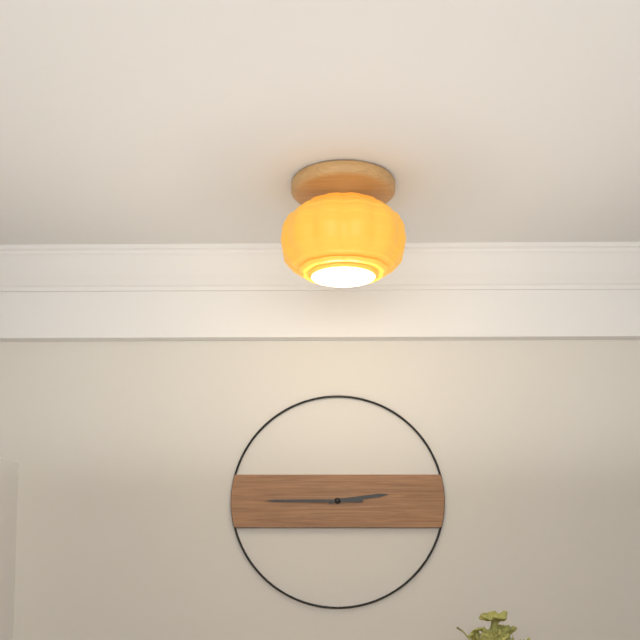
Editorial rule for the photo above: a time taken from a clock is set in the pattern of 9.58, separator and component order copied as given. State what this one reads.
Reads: 2.45
